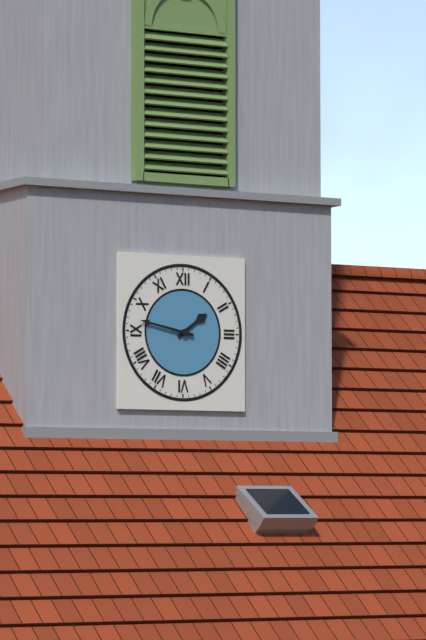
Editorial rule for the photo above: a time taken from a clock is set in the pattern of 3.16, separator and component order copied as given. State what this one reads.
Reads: 1.47
